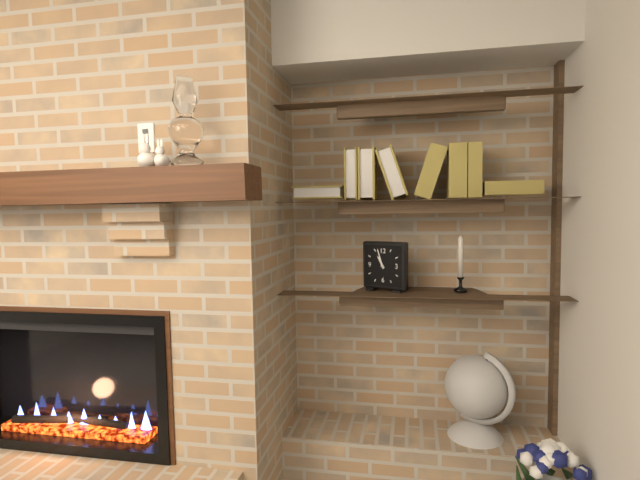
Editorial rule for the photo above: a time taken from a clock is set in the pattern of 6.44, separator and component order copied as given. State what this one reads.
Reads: 10.57
